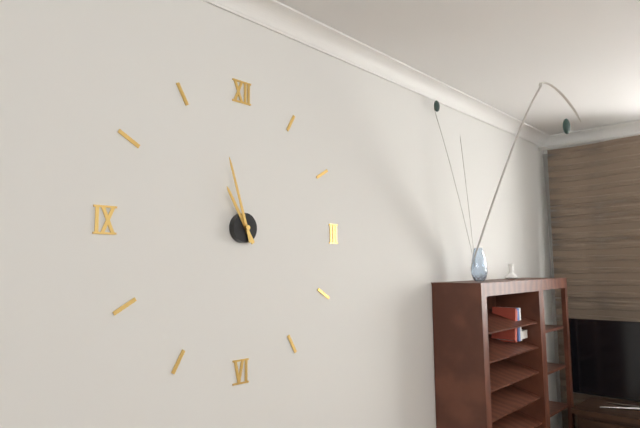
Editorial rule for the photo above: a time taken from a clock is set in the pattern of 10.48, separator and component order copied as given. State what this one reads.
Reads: 10.57
